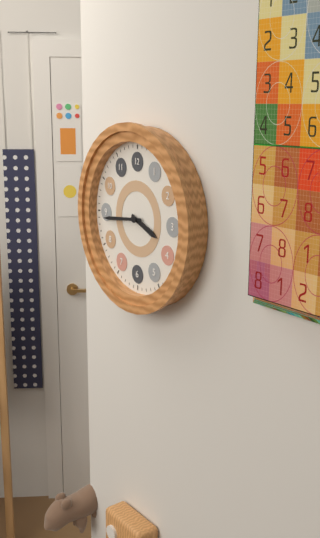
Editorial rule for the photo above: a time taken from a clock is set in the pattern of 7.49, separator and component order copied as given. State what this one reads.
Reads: 3.44
